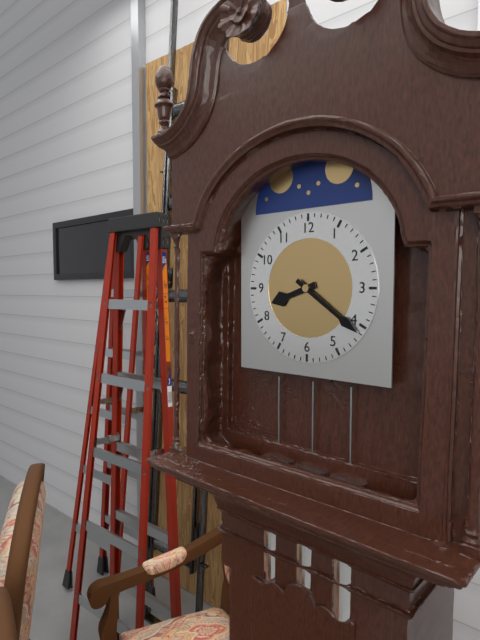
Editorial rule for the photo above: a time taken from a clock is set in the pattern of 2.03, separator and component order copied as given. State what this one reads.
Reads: 8.21
